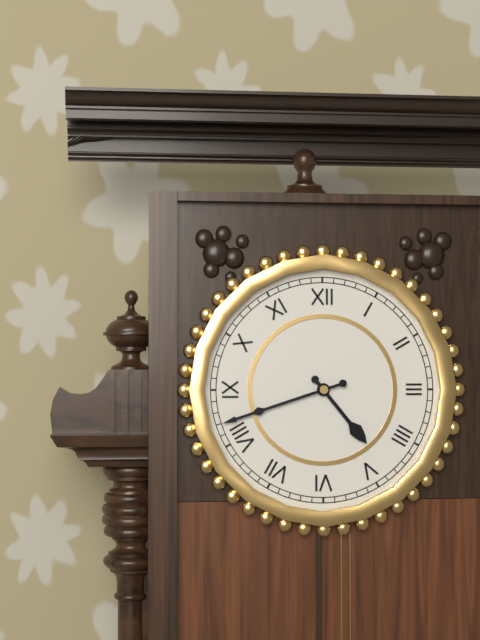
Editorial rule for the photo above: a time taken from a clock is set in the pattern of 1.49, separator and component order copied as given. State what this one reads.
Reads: 4.42
